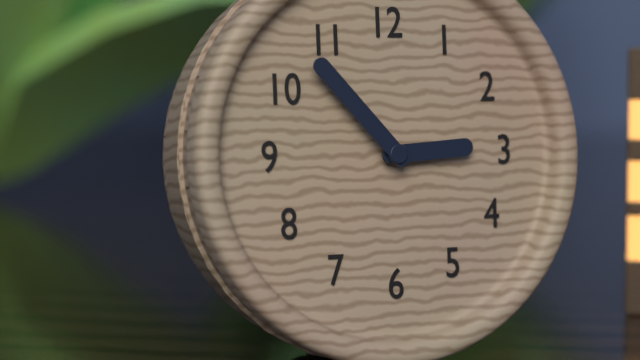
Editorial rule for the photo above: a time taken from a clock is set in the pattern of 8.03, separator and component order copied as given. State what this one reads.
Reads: 2.53
